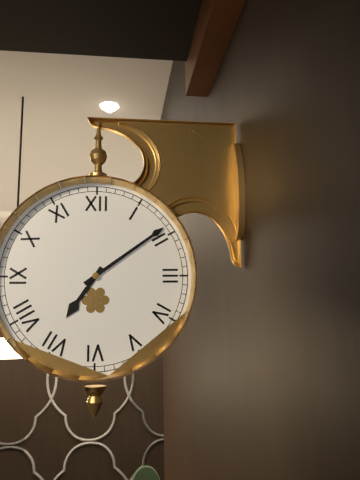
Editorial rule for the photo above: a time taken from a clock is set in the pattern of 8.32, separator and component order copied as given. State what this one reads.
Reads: 7.09
